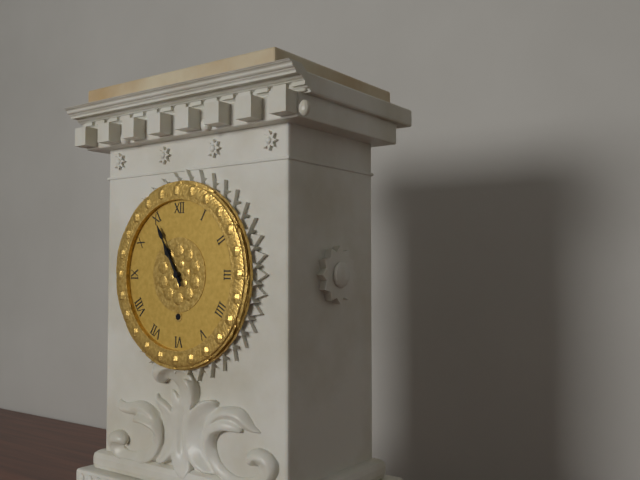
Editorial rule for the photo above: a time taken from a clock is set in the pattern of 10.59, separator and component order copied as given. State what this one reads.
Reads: 10.55
